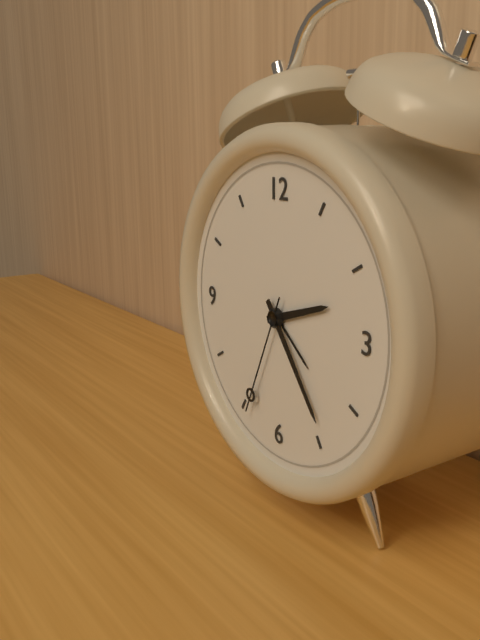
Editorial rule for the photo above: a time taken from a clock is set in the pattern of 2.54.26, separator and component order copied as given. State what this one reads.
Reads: 2.24.34
